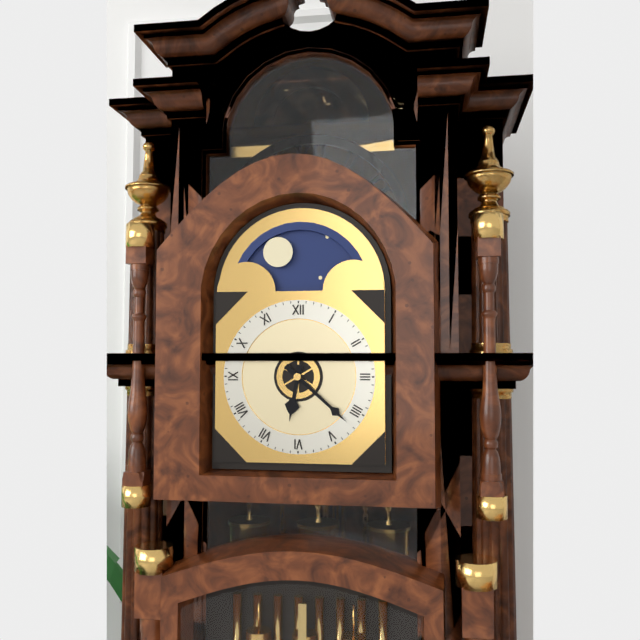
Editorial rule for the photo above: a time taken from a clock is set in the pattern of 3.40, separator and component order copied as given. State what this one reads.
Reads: 6.22
